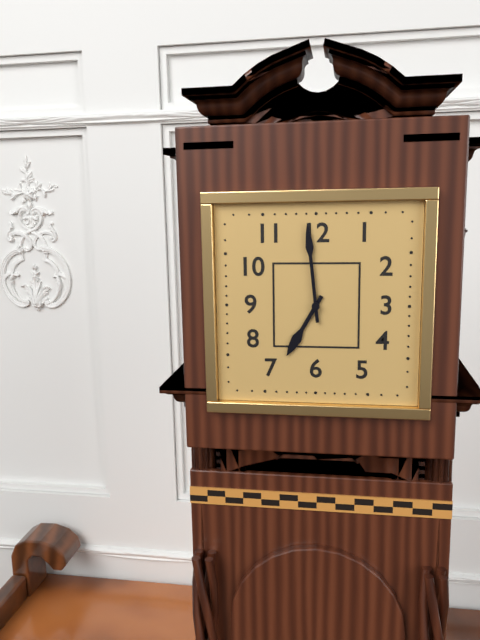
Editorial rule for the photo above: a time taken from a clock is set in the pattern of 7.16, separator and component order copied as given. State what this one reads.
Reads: 6.59
